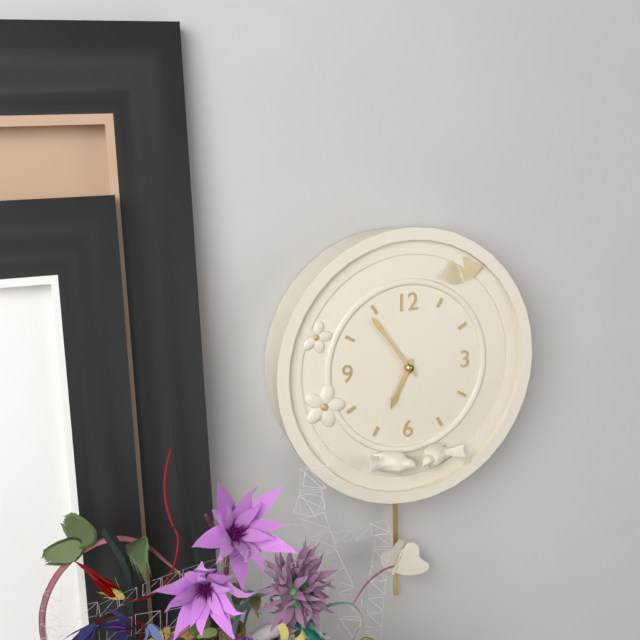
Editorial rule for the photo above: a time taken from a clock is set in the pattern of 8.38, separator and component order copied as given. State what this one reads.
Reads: 6.54
